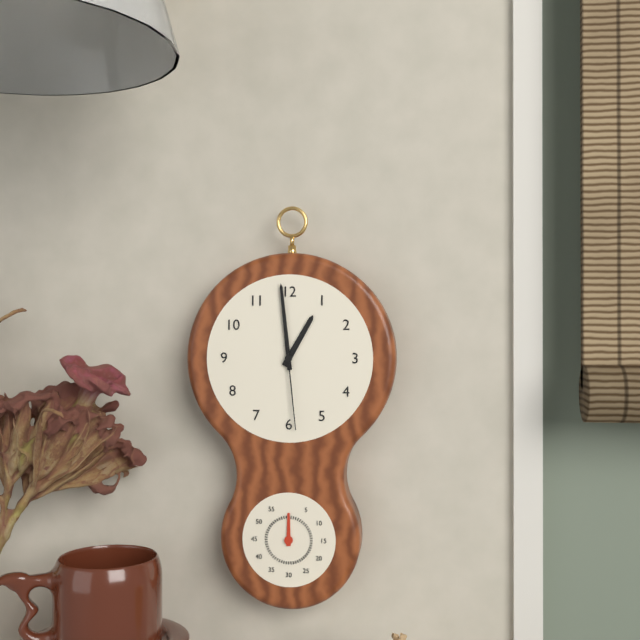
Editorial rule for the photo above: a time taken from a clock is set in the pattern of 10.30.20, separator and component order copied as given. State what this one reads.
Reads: 12.59.29
